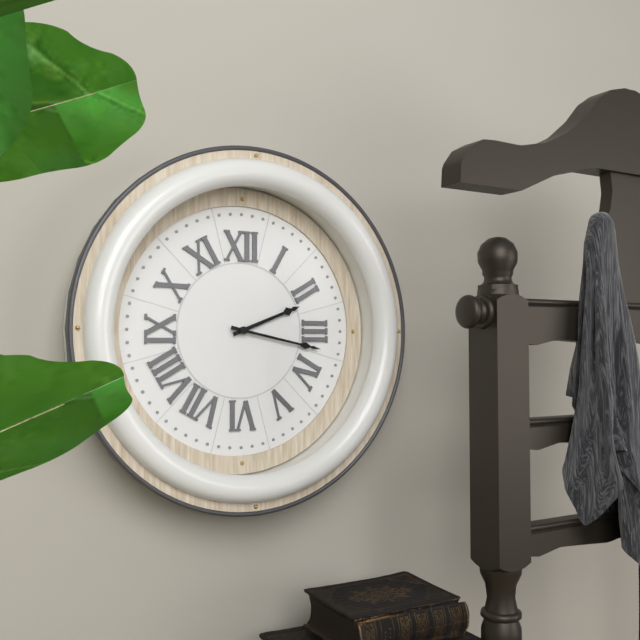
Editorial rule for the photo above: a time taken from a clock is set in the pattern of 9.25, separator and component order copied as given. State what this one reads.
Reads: 2.17
